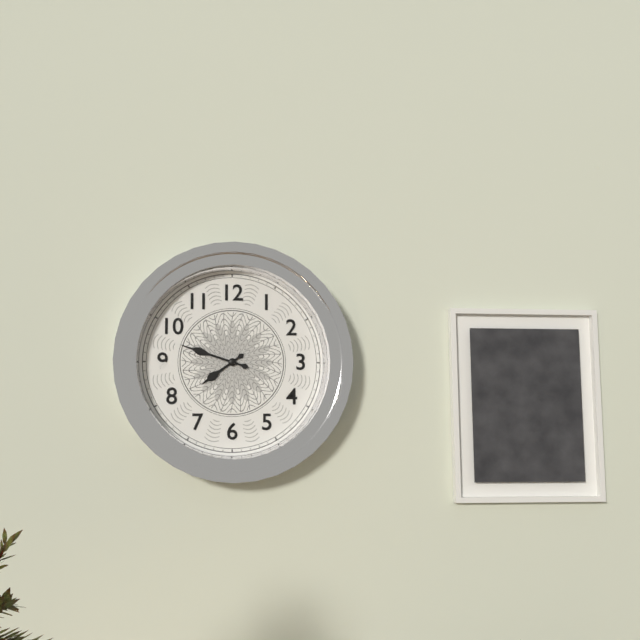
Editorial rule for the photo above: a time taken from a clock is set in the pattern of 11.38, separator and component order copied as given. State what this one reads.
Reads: 7.48
